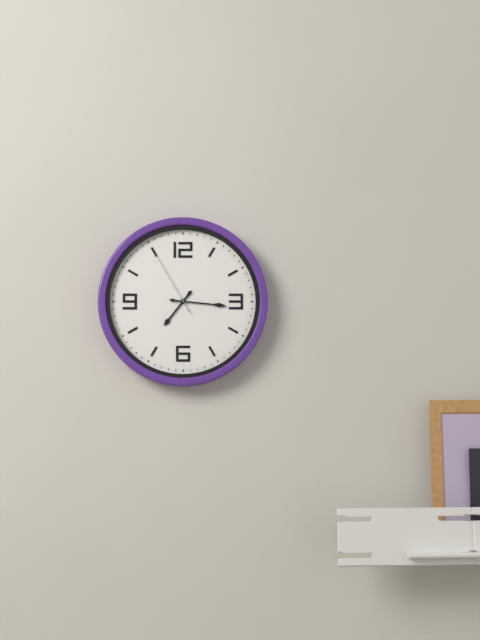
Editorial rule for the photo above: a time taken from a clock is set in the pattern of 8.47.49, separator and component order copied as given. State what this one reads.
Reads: 7.16.55
